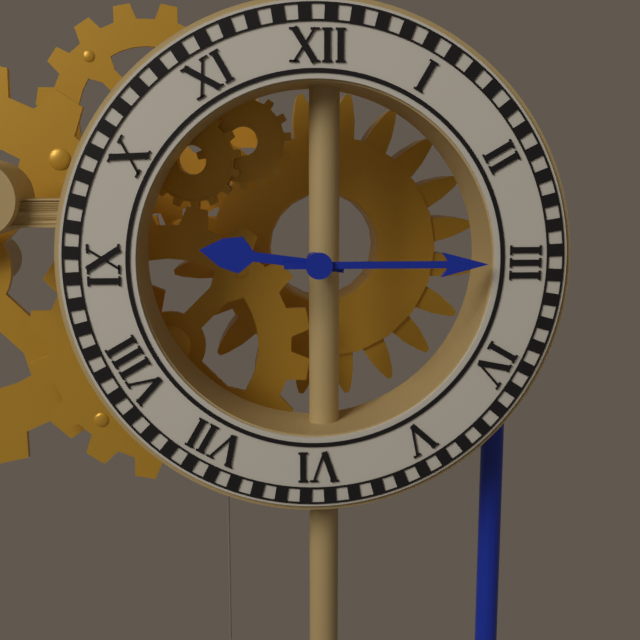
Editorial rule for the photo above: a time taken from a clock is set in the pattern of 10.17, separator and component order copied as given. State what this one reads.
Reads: 9.15
